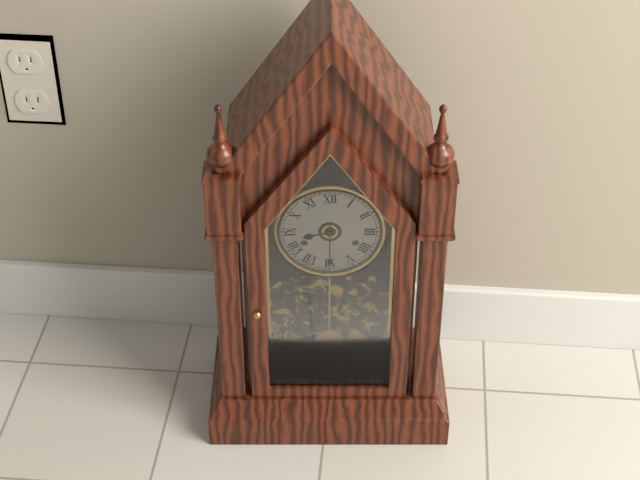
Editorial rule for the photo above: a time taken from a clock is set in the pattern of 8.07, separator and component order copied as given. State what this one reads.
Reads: 8.30
